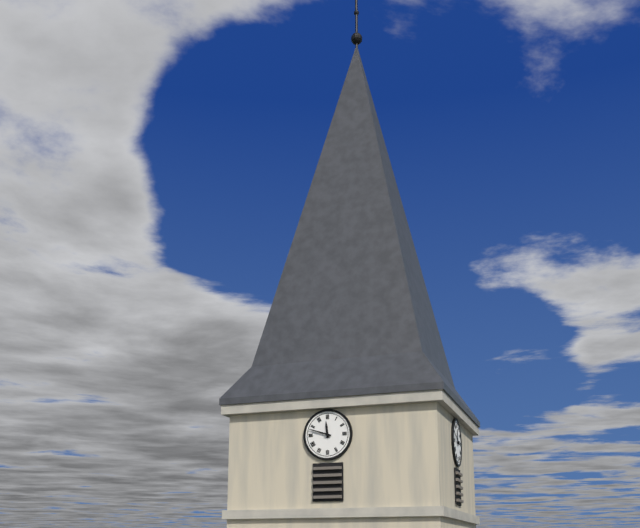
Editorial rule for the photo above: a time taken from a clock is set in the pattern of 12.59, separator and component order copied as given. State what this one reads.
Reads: 11.48
